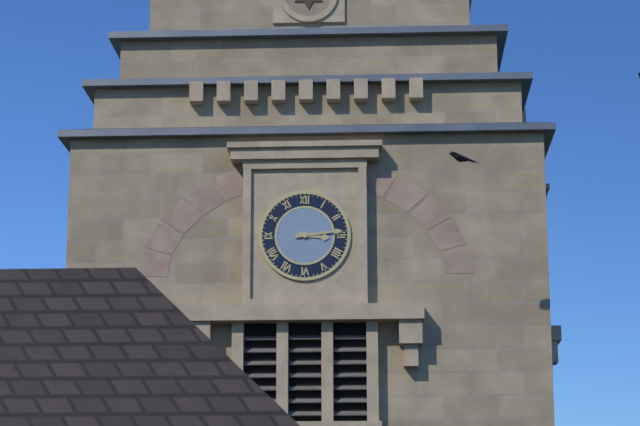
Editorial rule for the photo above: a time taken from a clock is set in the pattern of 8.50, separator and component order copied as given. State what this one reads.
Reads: 3.14
